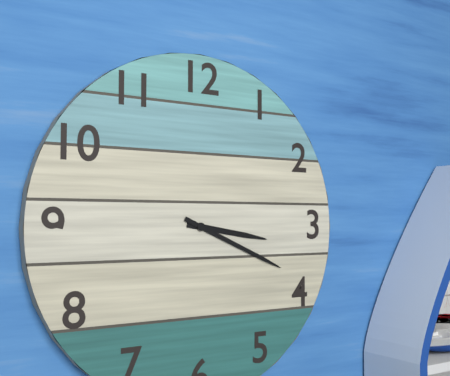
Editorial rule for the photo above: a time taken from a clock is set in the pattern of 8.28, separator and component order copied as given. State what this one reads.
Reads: 3.19
